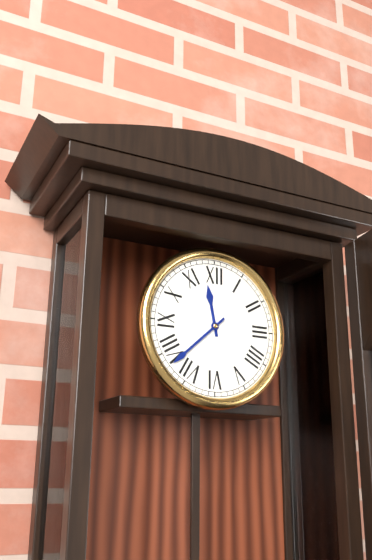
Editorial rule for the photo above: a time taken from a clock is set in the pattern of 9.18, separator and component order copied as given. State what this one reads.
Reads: 11.38
